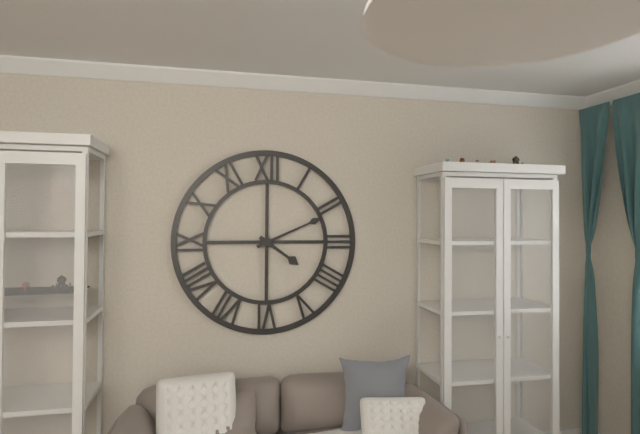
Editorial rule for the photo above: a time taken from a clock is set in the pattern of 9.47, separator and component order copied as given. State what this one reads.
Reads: 4.11
